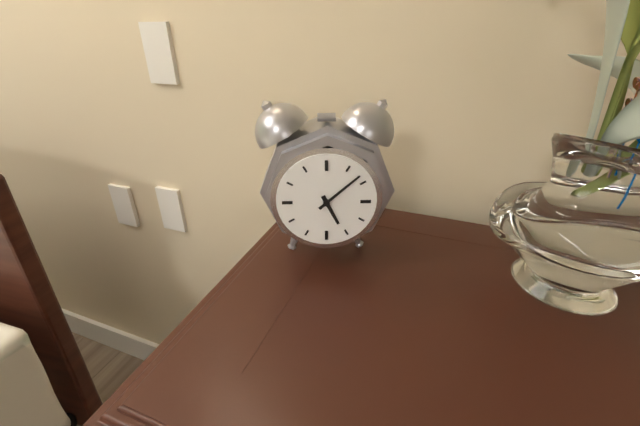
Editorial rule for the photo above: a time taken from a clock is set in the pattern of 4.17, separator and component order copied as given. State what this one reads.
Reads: 5.08
